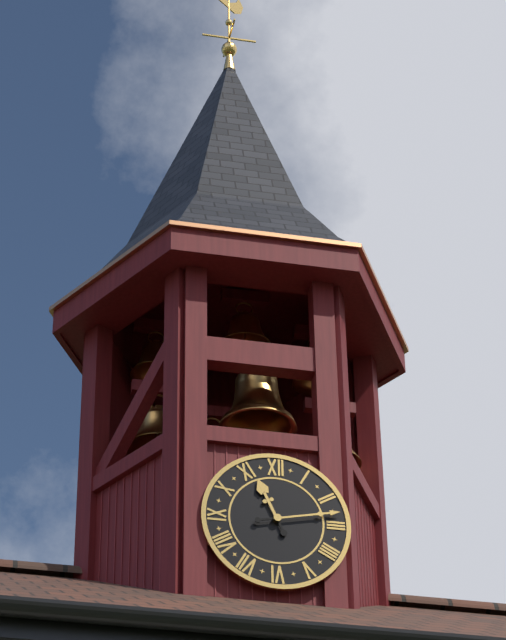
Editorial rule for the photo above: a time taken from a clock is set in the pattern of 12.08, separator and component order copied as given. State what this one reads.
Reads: 11.13
